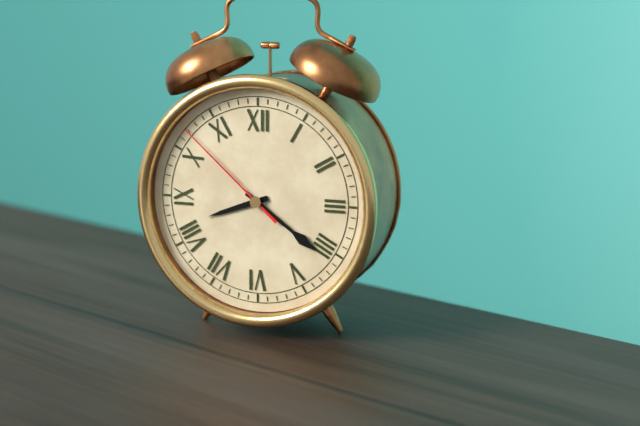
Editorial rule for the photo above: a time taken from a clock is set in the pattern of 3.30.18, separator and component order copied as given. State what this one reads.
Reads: 8.21.52
